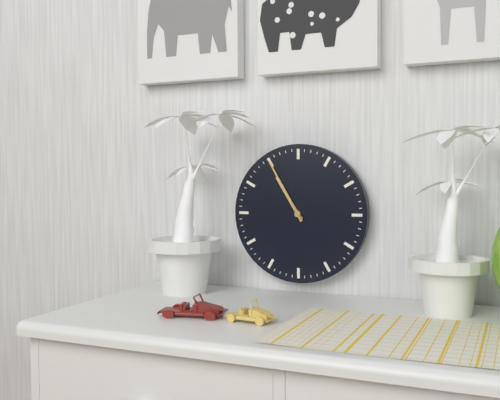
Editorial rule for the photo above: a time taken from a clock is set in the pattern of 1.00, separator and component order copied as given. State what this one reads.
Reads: 10.55
